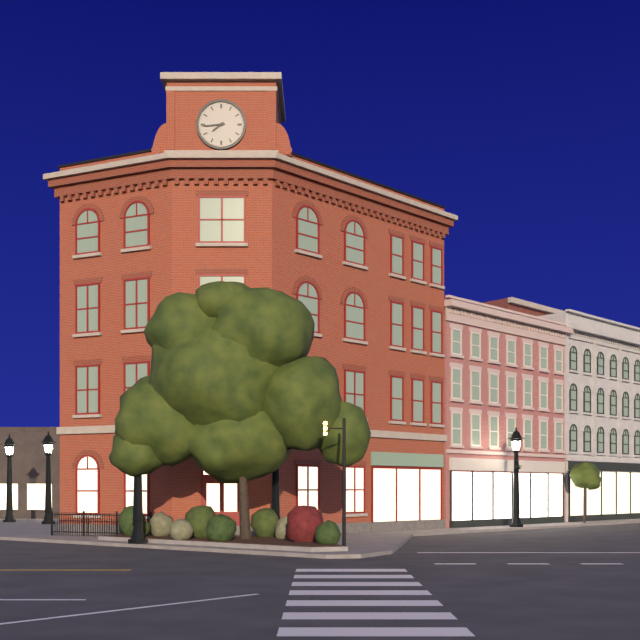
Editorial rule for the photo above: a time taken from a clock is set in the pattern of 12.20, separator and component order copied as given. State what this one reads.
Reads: 7.44
